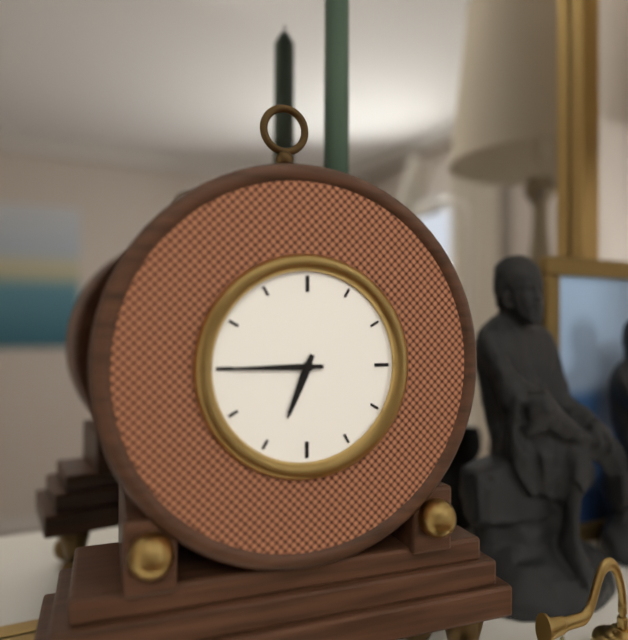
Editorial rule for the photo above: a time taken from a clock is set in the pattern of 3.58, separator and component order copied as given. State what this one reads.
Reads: 6.45
